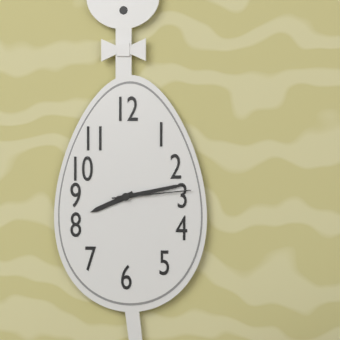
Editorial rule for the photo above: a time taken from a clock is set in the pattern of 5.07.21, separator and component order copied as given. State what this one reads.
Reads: 8.13.14
